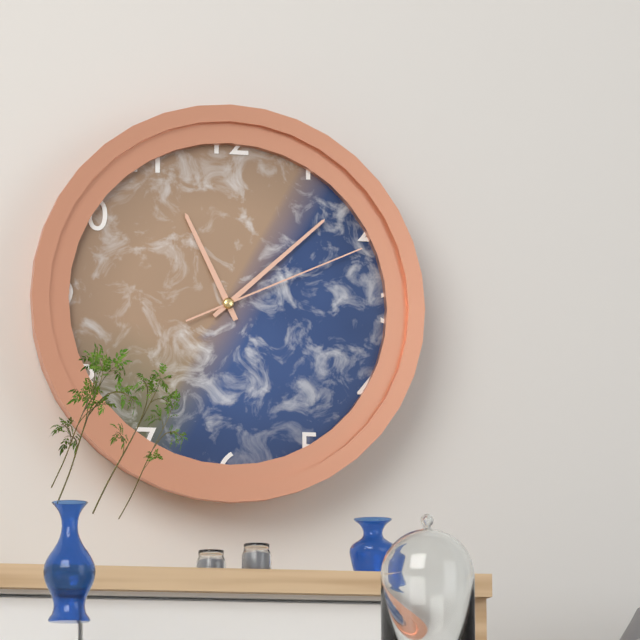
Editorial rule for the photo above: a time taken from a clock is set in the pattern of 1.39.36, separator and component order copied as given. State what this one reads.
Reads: 11.08.11
